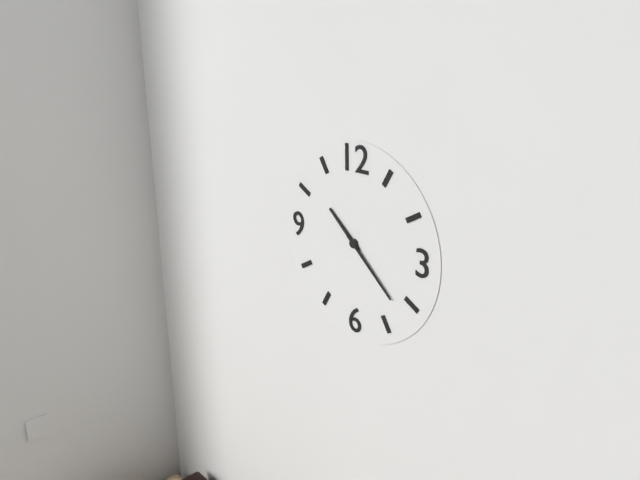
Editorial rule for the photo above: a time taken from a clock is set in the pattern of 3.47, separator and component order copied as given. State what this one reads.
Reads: 10.22
